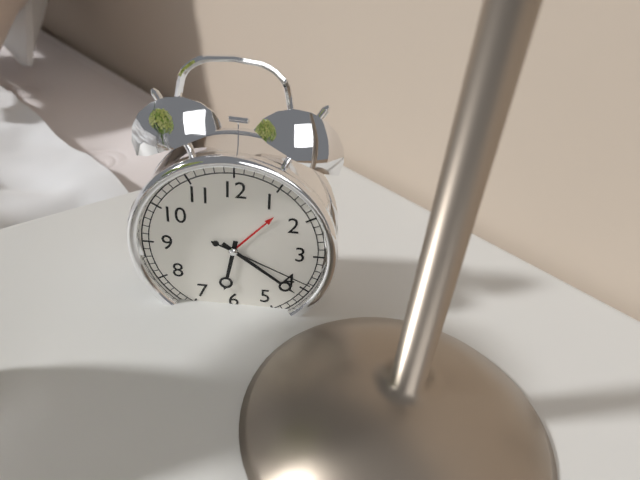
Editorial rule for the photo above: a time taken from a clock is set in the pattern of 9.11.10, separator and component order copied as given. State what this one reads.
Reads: 6.21.19
